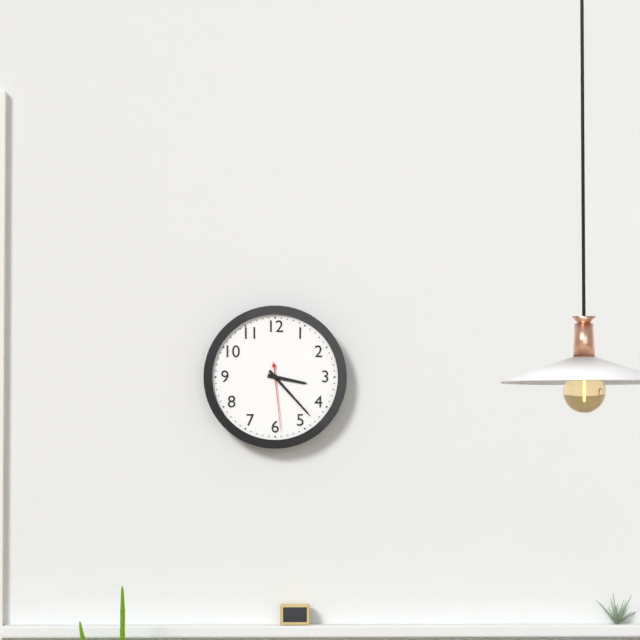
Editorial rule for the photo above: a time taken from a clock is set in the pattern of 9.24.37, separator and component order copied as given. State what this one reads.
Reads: 3.23.29
